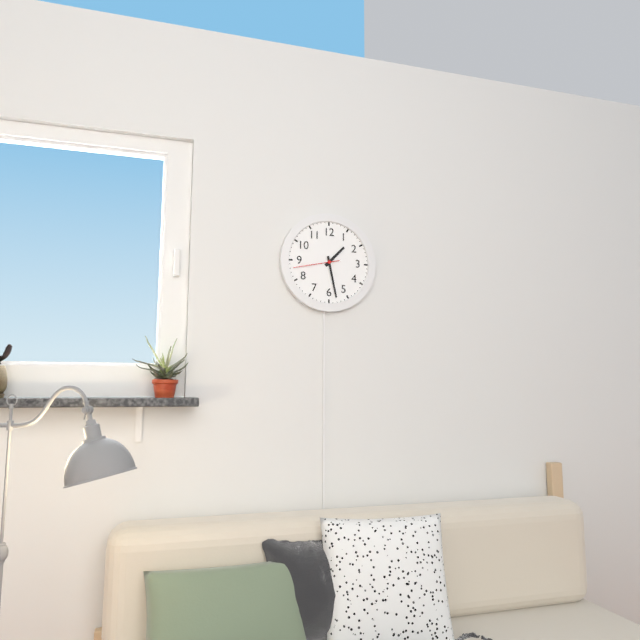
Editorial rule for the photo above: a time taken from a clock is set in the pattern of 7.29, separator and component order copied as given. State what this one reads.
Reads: 1.28
